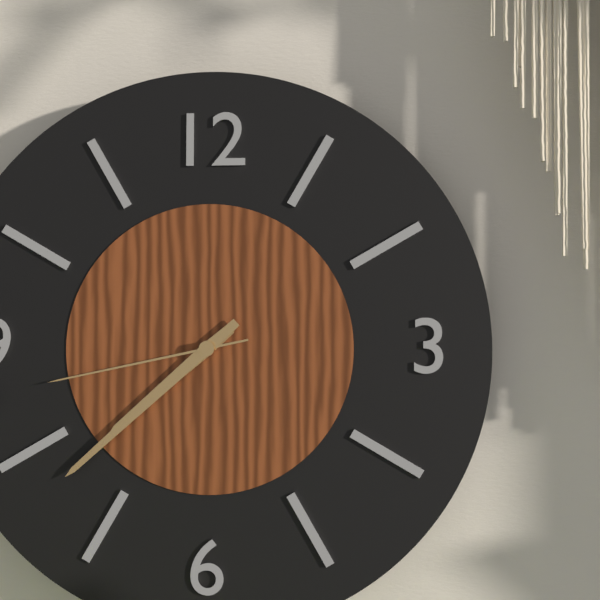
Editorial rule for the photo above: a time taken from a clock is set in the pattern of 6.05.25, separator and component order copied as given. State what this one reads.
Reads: 7.38.43
